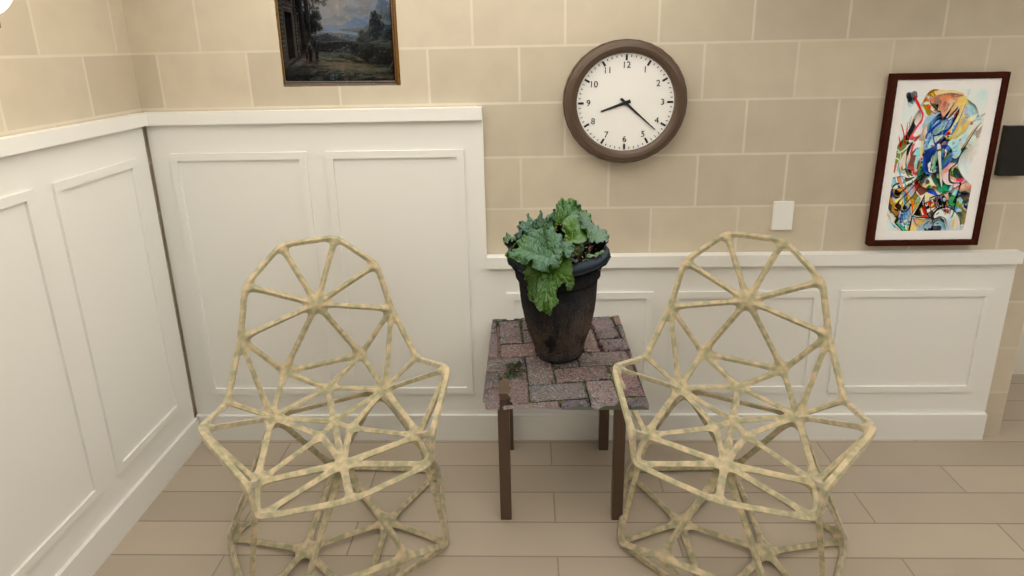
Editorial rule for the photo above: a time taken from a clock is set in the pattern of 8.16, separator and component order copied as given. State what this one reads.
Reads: 8.22
